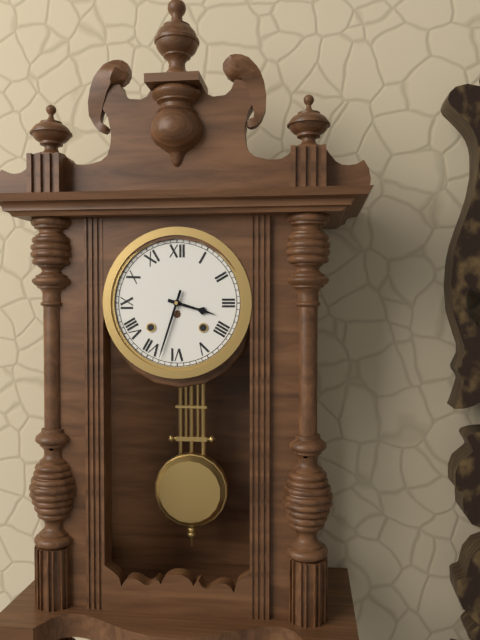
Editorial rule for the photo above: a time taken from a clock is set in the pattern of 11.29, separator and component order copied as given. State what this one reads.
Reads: 3.33
